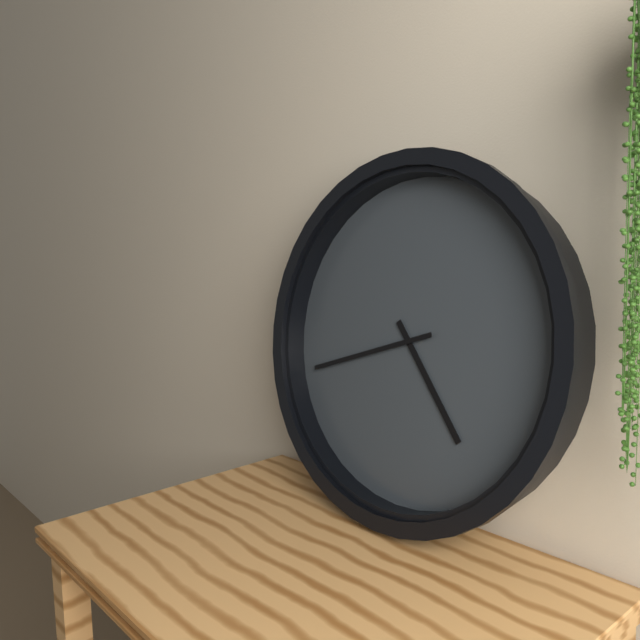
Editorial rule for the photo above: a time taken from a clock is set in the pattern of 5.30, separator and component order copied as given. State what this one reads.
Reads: 4.42
